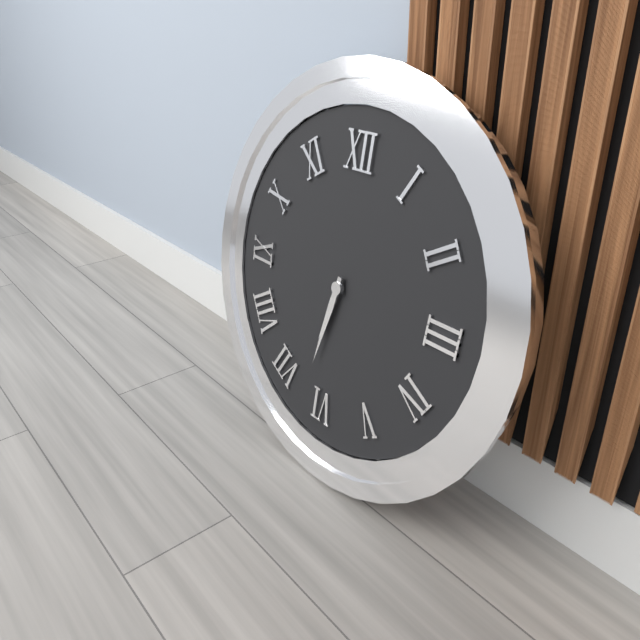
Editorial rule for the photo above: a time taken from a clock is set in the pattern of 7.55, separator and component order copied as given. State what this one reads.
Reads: 6.32
